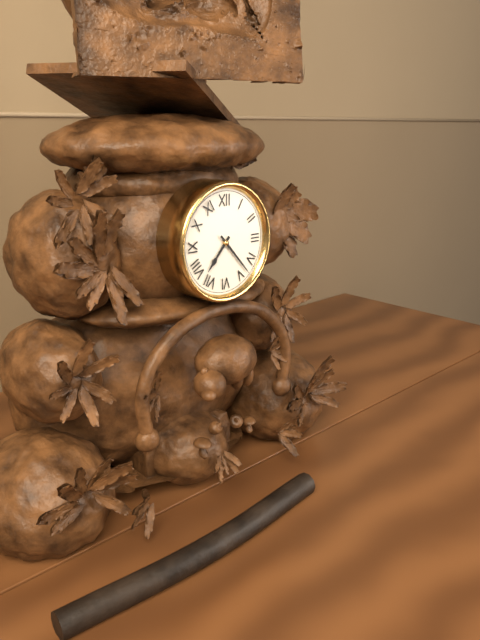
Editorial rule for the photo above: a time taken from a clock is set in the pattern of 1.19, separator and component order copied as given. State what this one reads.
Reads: 7.23
